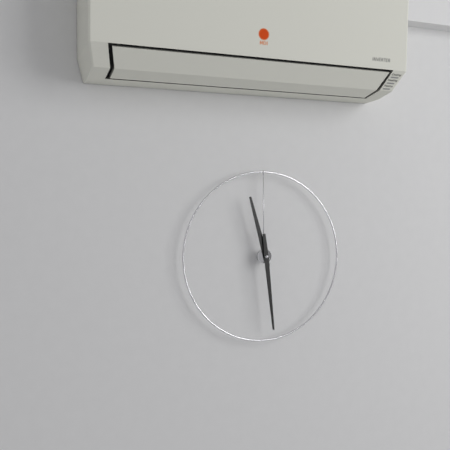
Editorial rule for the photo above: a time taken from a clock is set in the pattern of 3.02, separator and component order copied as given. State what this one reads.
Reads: 11.29
